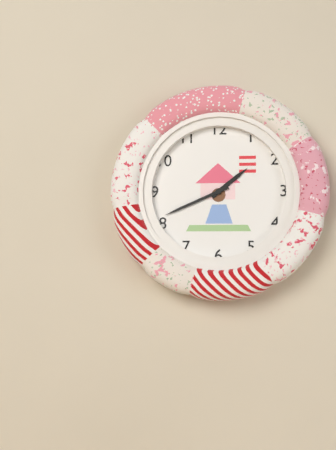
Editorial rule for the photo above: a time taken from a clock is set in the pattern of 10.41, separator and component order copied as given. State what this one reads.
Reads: 1.41
